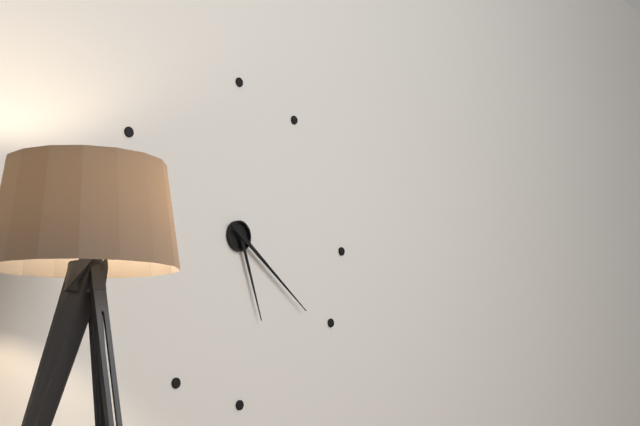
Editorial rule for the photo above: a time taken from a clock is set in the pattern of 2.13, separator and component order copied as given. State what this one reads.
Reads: 5.21
